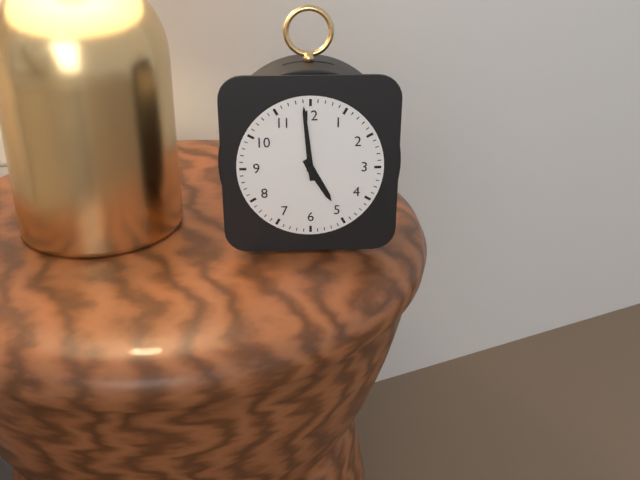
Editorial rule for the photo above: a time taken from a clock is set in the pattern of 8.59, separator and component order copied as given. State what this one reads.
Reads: 4.59
